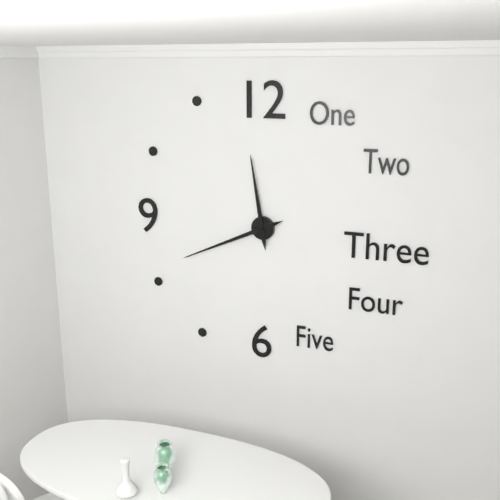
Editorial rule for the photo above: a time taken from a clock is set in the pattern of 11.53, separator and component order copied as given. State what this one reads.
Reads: 11.41
